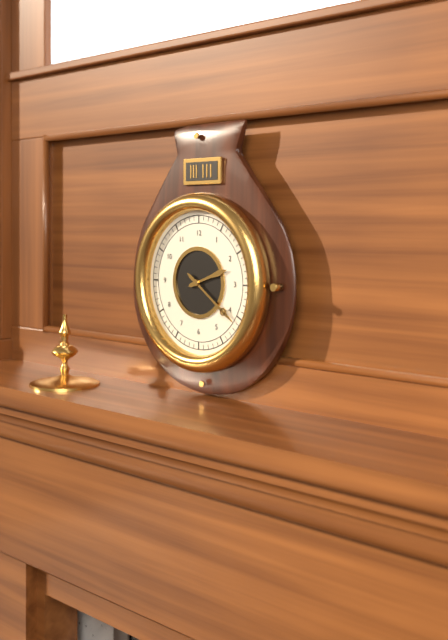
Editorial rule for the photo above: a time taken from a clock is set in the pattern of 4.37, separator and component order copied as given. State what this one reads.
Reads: 2.21
